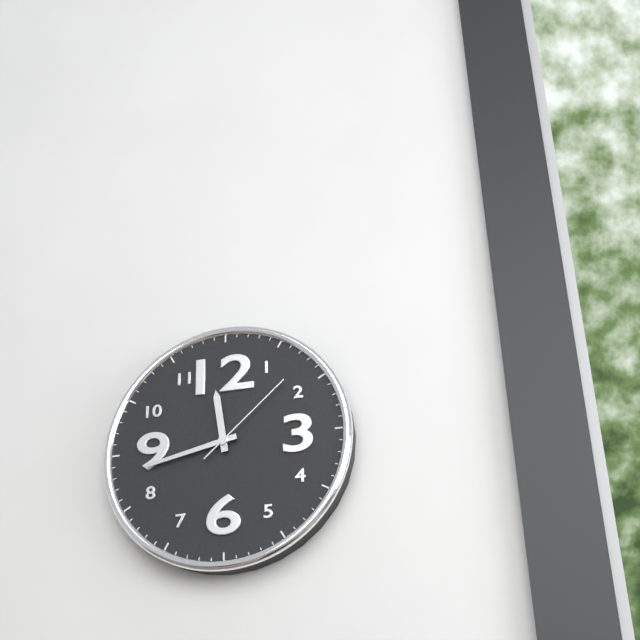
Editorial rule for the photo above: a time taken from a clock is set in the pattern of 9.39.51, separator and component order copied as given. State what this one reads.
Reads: 11.43.08
